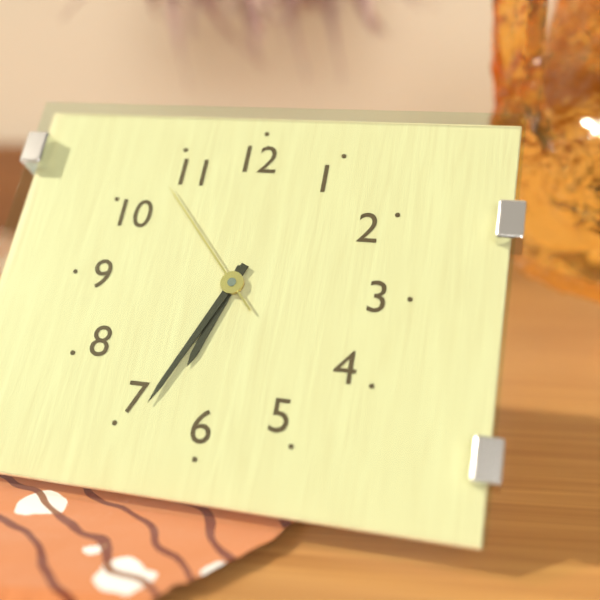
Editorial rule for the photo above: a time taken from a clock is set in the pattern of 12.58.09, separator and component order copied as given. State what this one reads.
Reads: 6.34.53
